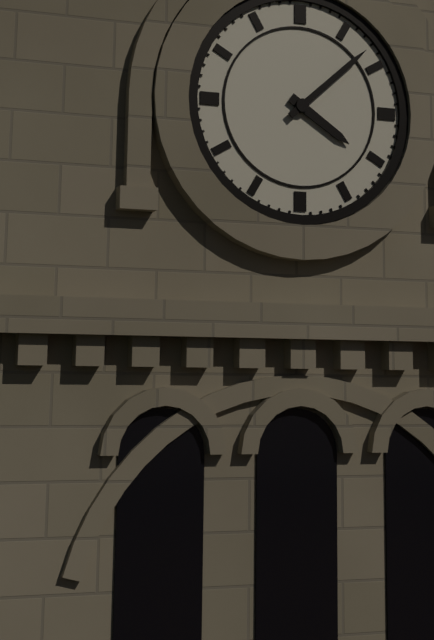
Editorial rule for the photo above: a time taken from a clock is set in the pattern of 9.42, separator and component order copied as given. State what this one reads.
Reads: 4.08
